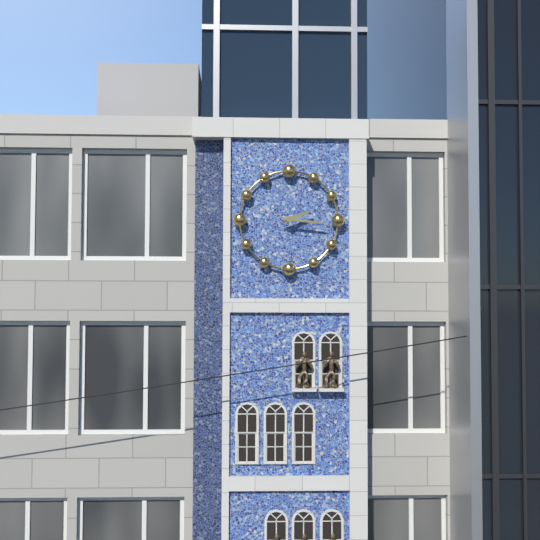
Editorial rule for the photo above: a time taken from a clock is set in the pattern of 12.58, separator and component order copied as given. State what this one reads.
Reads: 2.16
